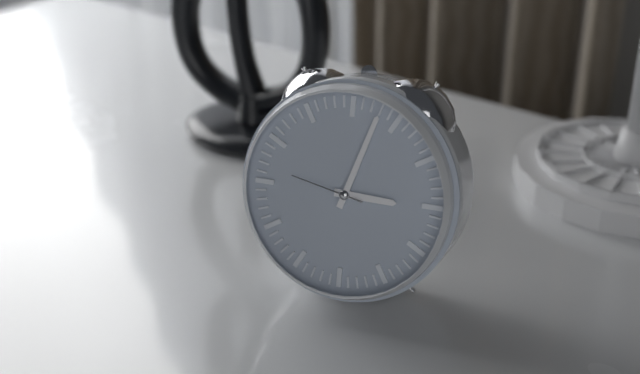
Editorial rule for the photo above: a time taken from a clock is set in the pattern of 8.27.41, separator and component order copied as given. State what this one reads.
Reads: 3.03.47
